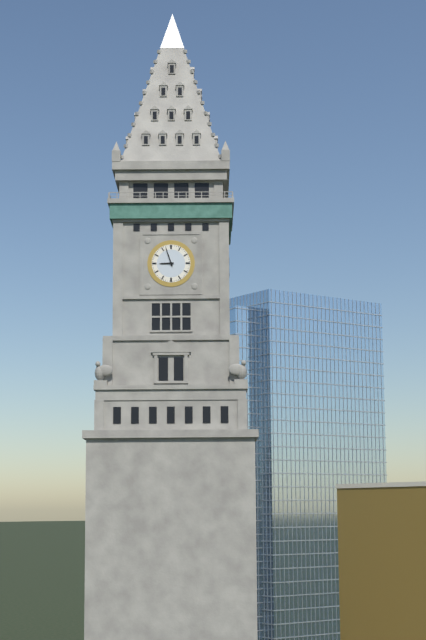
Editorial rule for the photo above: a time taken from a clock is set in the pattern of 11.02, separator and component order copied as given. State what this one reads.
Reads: 8.57
